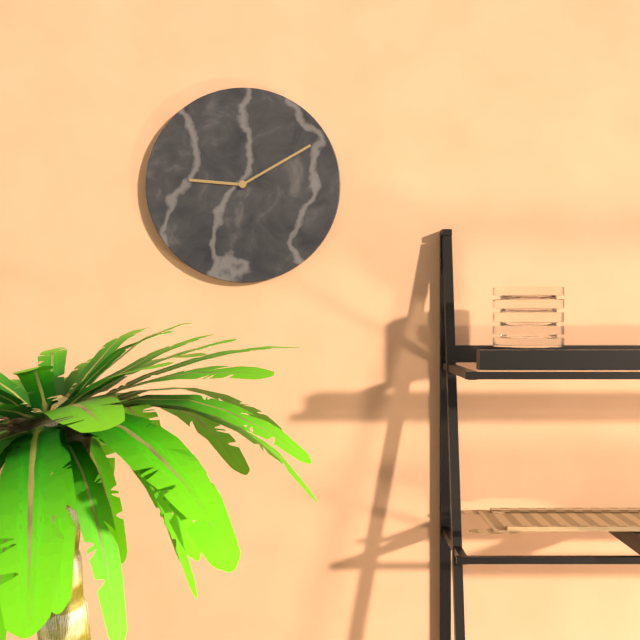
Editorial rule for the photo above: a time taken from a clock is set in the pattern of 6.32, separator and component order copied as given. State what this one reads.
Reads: 9.10
